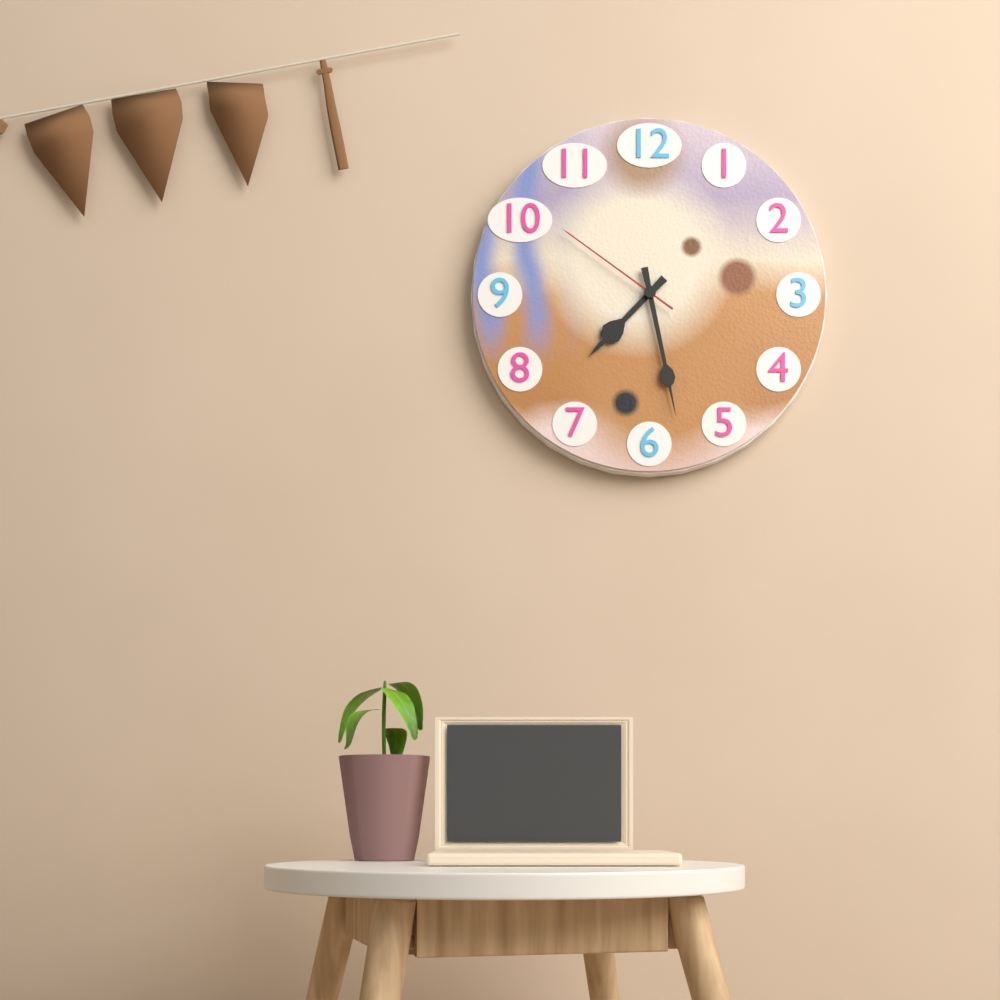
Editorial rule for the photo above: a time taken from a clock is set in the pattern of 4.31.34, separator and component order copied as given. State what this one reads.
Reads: 7.28.51
